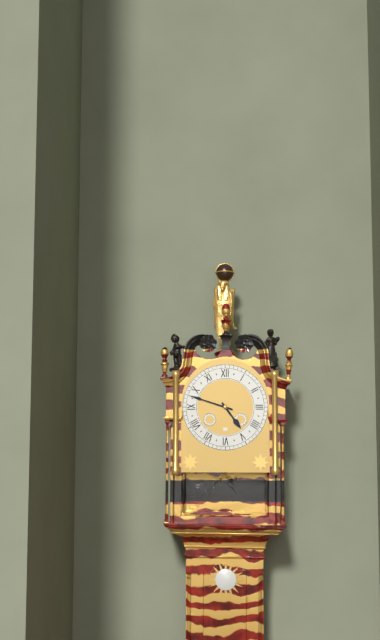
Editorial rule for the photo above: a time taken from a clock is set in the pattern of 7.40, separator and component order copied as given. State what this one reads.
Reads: 4.48
